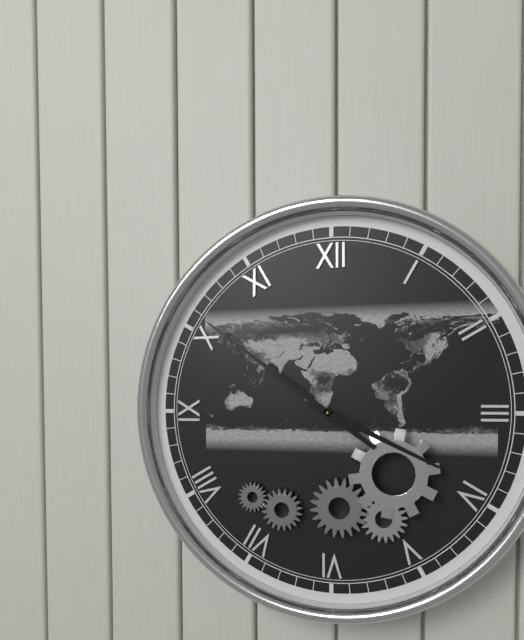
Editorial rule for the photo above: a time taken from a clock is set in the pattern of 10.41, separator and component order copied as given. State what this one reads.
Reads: 3.51
